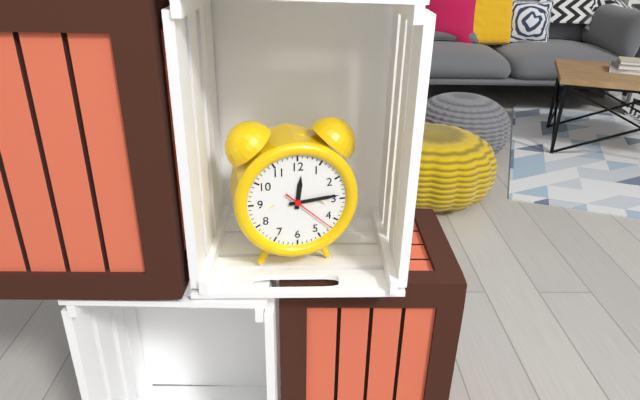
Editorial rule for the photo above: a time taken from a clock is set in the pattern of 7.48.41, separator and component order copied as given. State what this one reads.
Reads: 12.14.22
